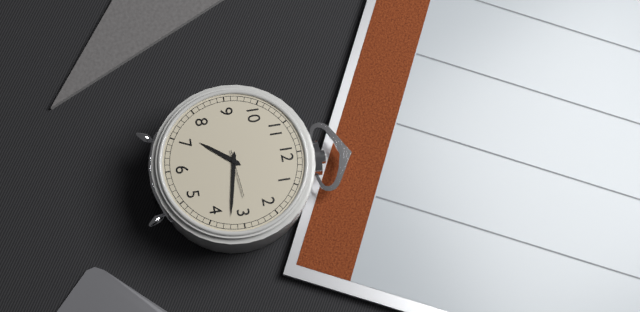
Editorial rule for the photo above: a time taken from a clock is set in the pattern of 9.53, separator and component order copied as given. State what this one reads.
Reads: 7.17
